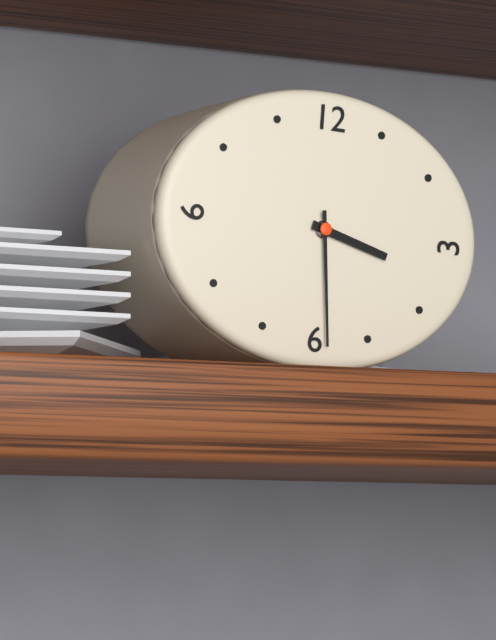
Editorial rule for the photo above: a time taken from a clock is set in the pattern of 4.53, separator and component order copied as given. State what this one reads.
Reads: 3.29
